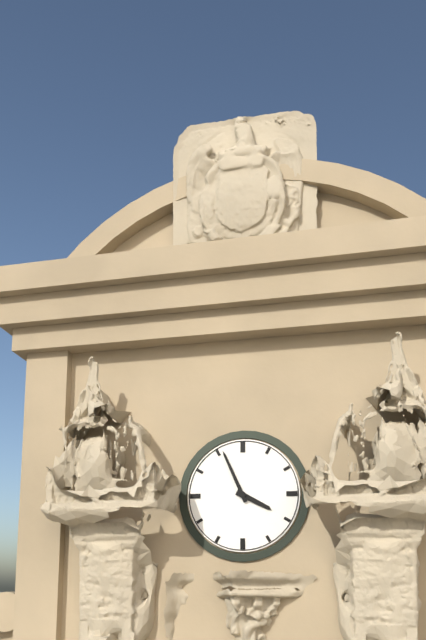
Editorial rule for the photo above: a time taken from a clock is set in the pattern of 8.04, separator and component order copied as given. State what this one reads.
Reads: 3.56
